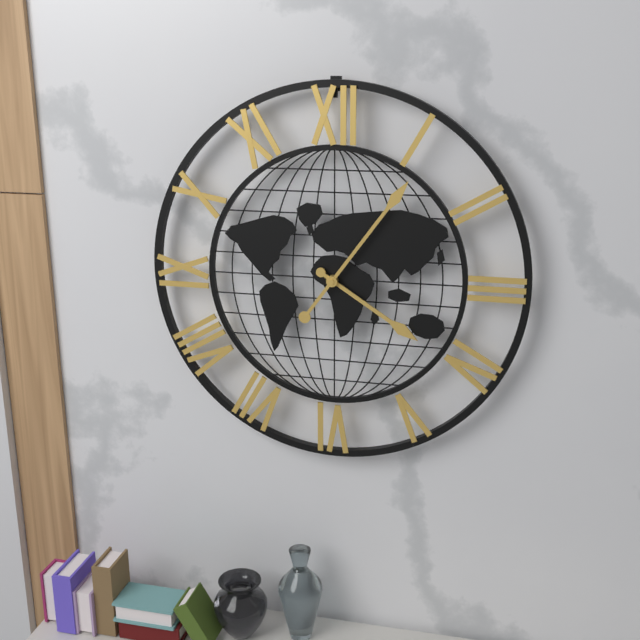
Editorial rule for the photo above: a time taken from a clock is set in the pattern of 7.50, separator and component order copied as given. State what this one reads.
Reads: 4.06
